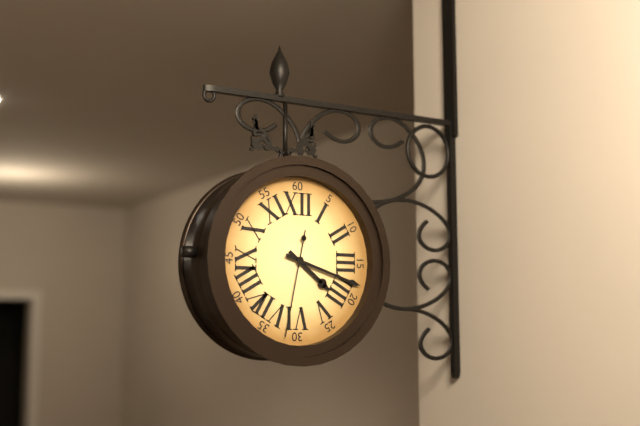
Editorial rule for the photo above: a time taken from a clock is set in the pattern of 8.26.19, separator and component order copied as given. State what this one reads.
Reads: 4.18.32
